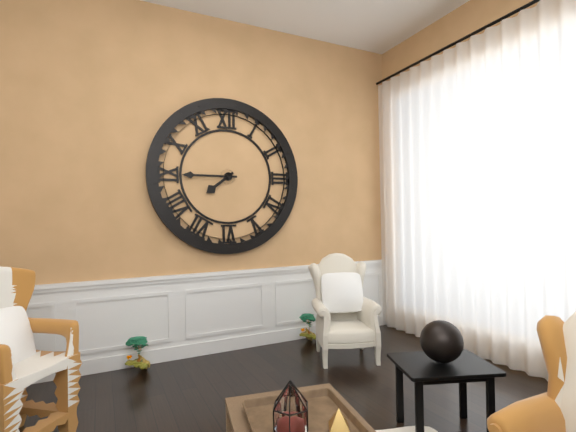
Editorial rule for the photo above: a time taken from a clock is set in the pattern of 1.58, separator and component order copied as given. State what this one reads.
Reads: 7.45
